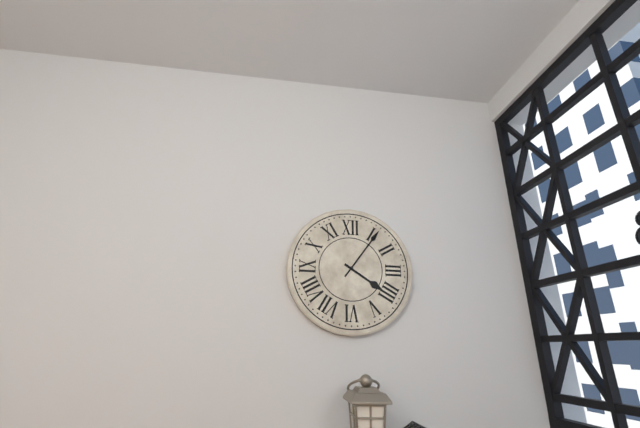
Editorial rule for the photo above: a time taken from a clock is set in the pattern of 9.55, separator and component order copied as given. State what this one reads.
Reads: 4.06
